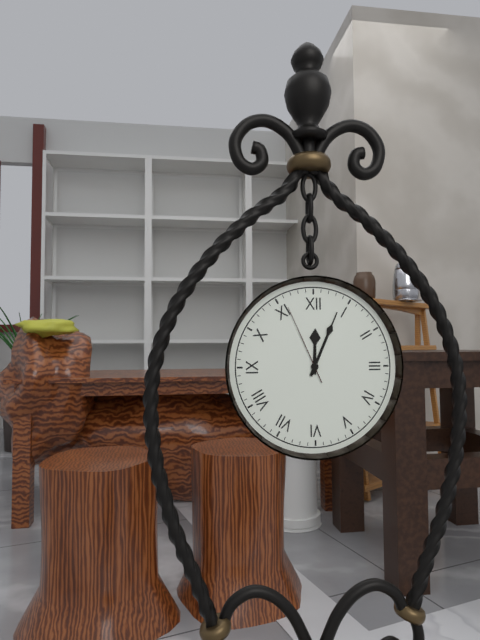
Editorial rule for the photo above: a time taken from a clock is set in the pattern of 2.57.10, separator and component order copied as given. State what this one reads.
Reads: 12.04.56
